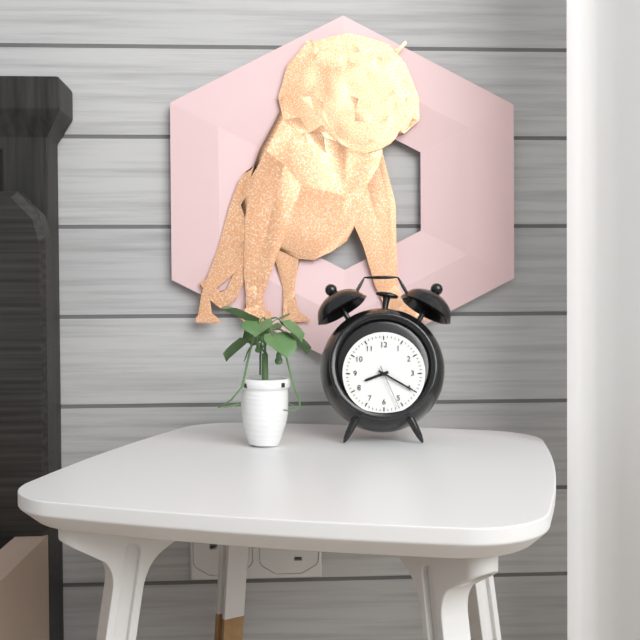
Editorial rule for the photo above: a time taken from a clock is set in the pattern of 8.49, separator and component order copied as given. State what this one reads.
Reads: 8.20
